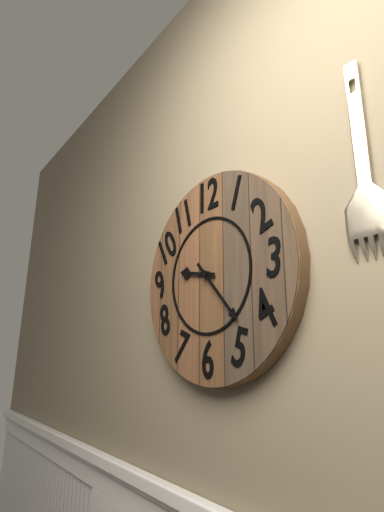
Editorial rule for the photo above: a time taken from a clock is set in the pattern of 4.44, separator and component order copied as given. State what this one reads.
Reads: 9.23
